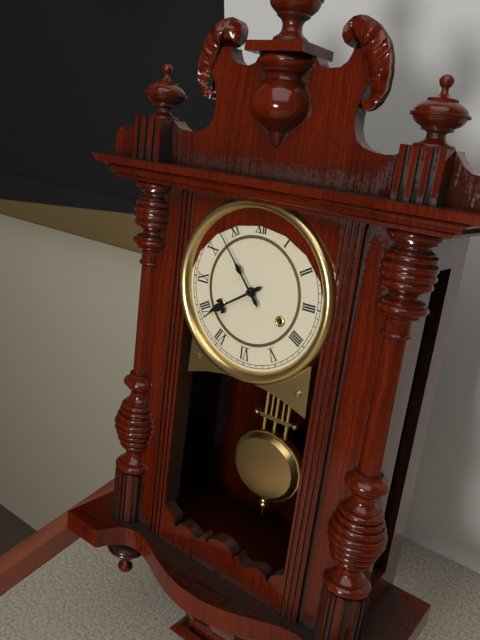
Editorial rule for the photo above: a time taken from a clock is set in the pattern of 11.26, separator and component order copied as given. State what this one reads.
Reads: 7.53
